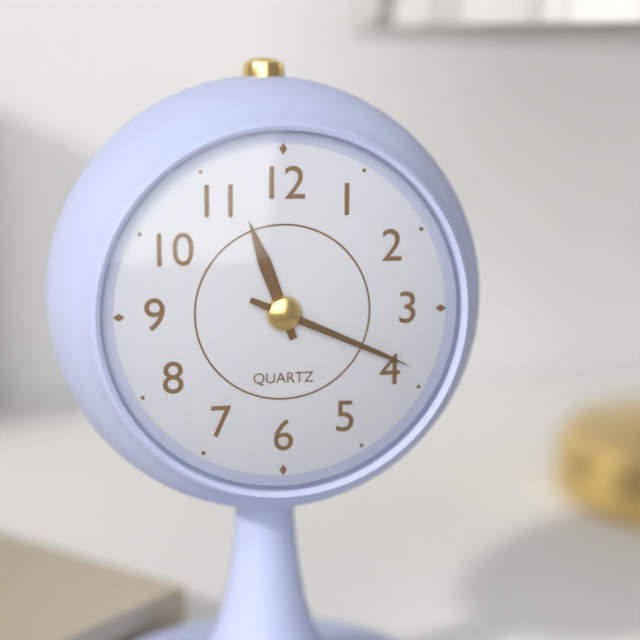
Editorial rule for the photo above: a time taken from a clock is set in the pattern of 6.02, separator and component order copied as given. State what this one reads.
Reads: 11.19
